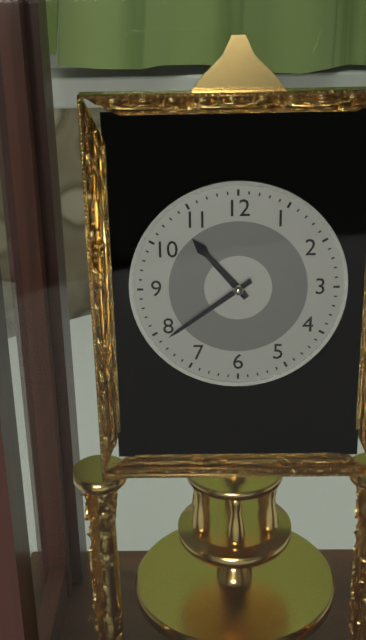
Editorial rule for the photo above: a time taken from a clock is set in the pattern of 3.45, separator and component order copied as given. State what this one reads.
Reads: 10.39
